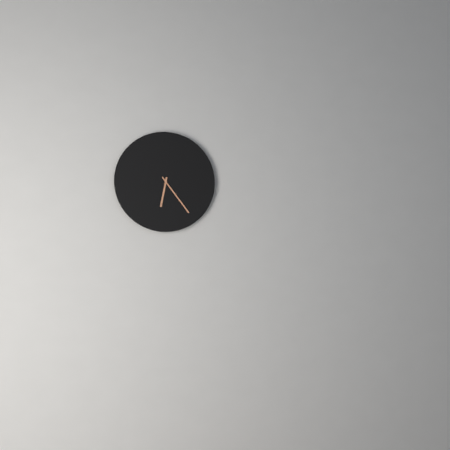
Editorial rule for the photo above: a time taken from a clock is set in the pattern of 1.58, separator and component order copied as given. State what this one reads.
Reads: 6.24
